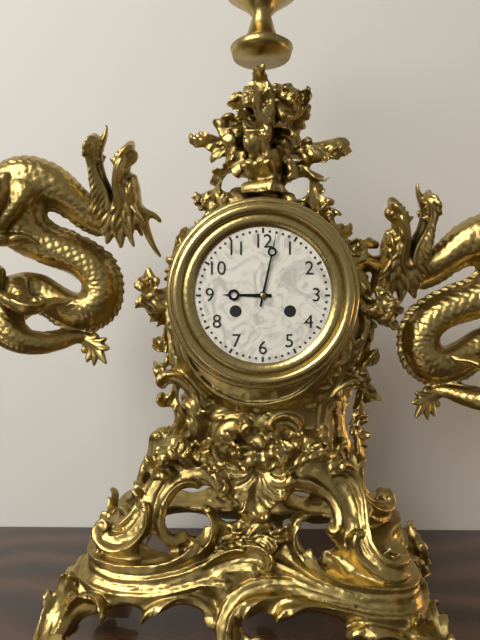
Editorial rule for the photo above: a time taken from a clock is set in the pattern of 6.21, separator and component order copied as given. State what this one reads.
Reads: 9.02
